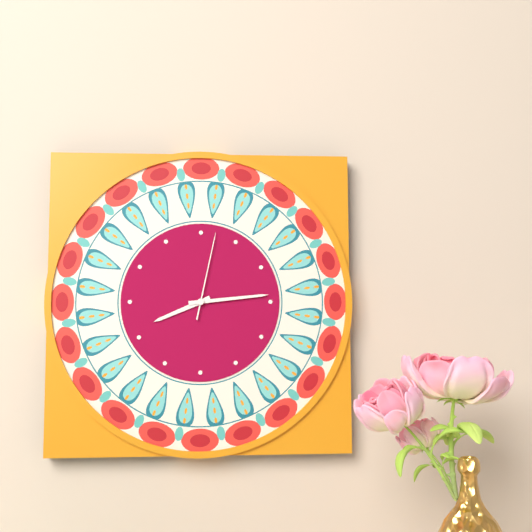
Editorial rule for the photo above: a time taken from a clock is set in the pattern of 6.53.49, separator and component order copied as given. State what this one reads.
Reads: 8.14.02
